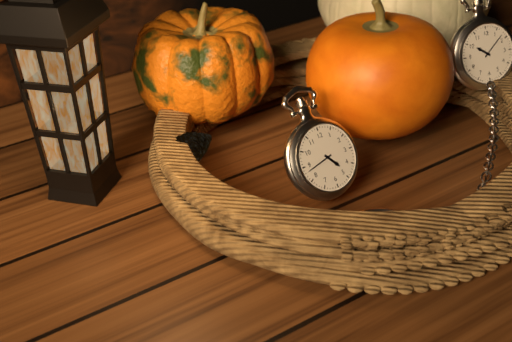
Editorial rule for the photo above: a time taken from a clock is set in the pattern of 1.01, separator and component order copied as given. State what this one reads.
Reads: 4.43
